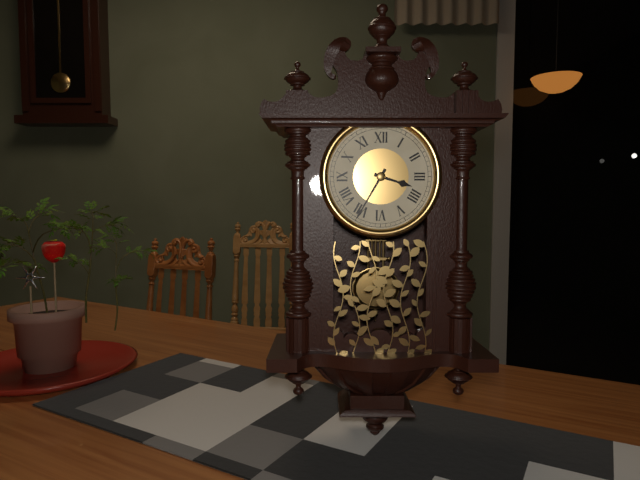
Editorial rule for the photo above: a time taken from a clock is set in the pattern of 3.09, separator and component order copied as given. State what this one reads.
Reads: 3.35
